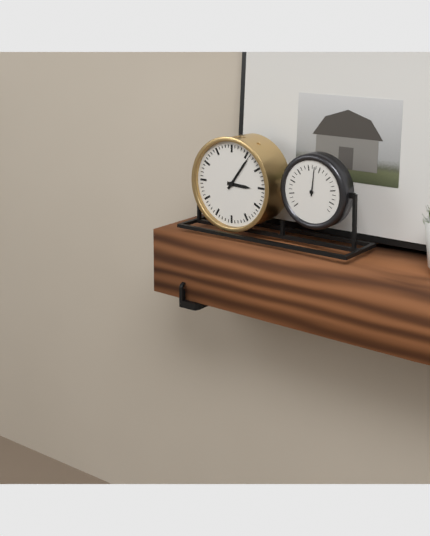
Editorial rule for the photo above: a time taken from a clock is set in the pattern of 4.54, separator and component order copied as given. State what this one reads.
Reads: 3.06
